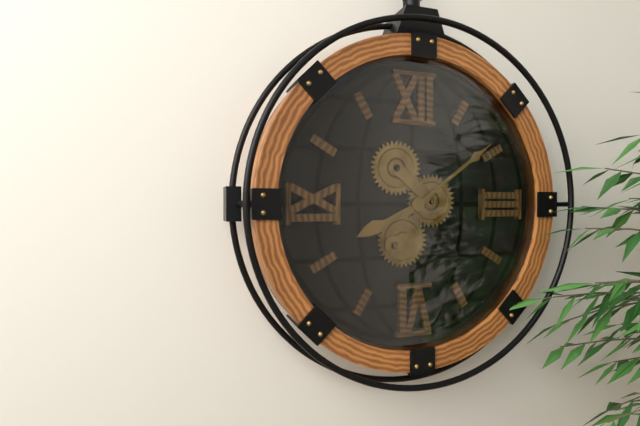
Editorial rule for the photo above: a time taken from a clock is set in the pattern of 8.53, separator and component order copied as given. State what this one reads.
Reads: 8.09
